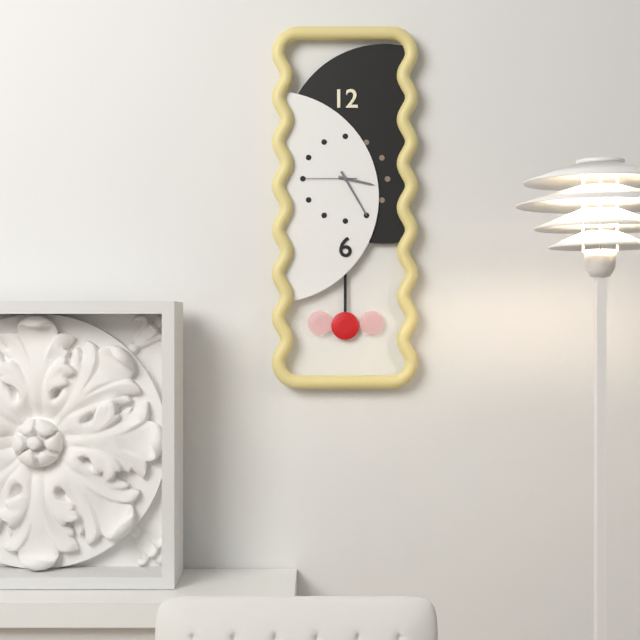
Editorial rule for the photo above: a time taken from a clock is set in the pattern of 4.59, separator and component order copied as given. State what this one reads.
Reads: 3.25
